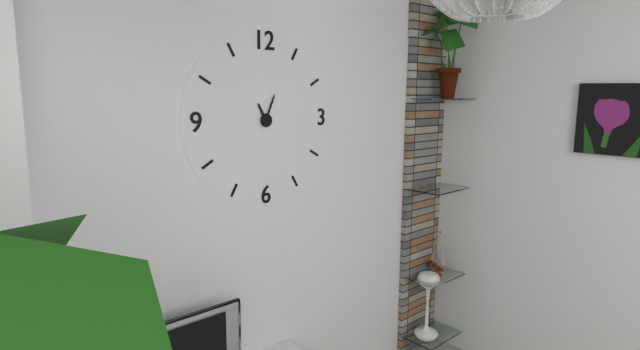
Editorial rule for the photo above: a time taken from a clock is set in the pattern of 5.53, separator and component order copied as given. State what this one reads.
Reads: 11.04
